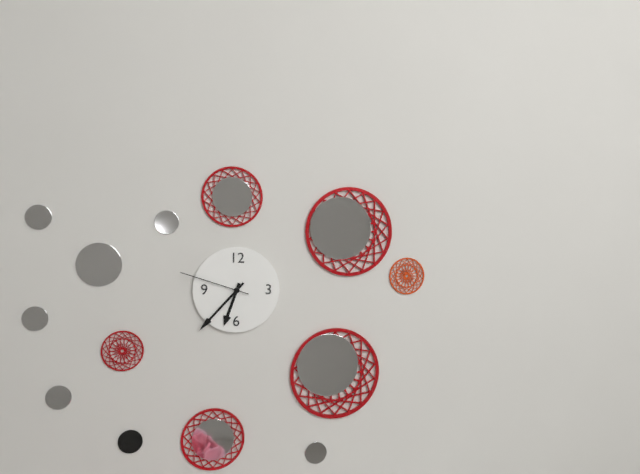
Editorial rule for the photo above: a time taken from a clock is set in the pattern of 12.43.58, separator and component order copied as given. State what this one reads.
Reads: 6.37.48
